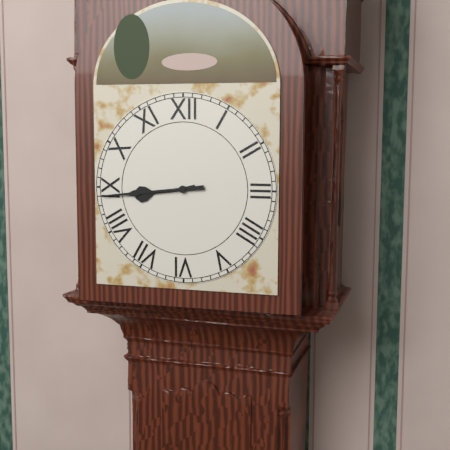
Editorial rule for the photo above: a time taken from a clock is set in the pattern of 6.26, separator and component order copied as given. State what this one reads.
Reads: 8.44
